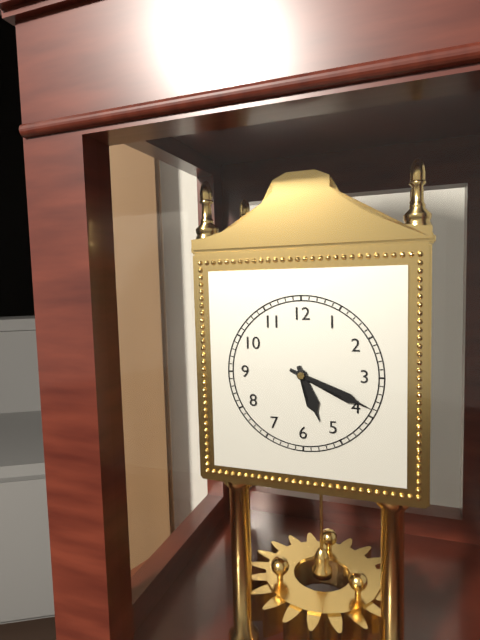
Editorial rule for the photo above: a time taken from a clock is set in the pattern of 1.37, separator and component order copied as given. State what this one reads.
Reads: 5.19
